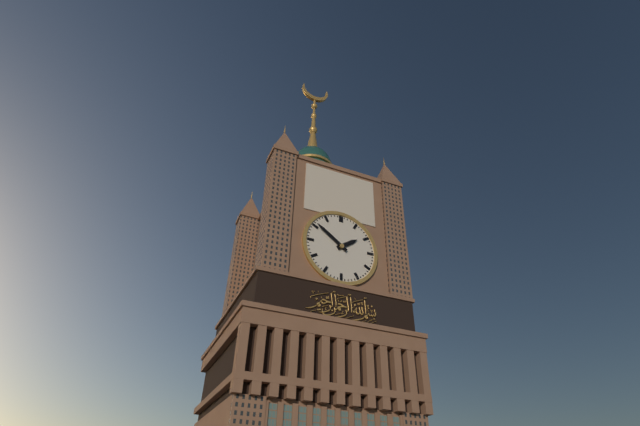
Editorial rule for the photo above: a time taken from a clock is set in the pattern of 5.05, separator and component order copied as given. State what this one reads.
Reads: 1.51
